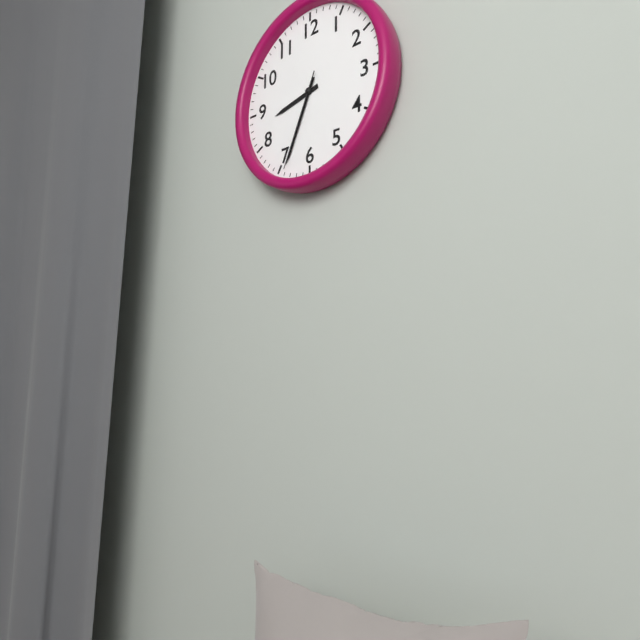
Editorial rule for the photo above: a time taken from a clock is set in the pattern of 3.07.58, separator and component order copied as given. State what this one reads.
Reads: 8.34.34
